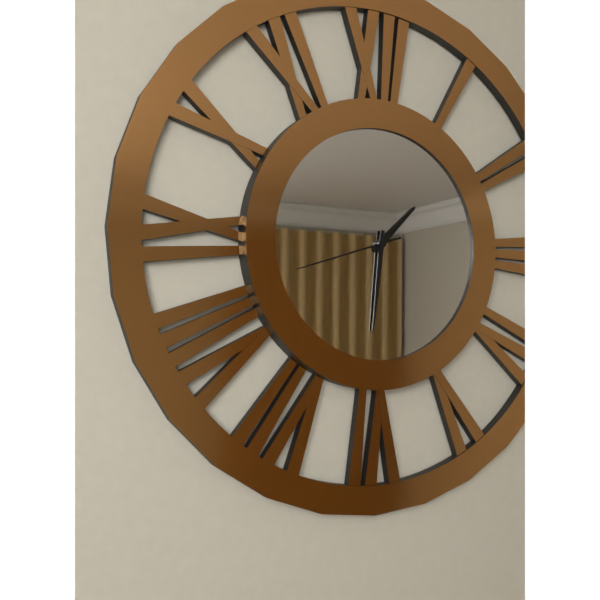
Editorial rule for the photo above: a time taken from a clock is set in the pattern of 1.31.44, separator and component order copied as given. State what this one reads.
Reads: 1.31.42
